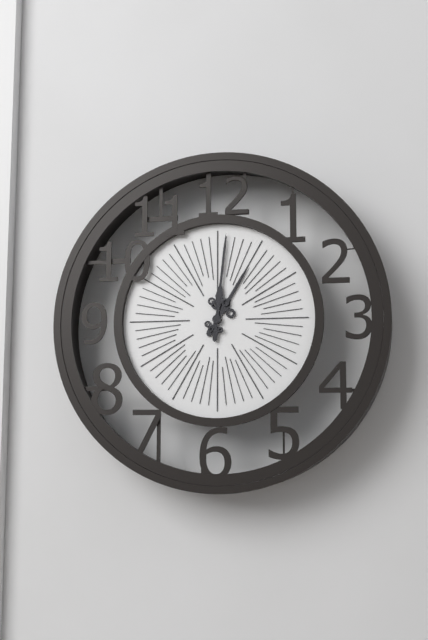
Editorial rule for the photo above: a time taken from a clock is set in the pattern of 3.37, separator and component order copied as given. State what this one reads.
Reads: 1.01
